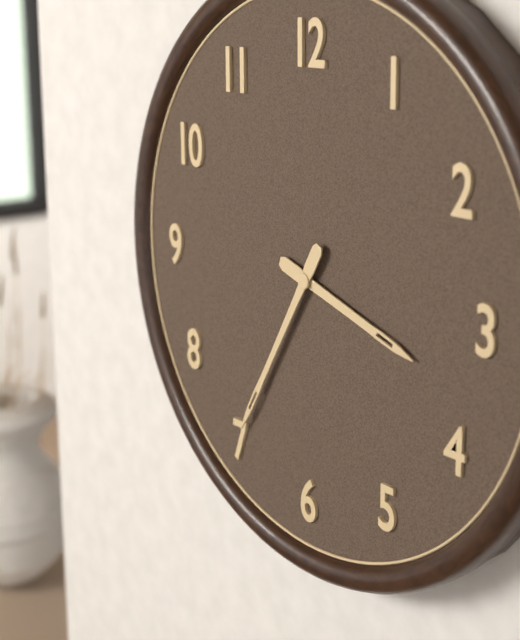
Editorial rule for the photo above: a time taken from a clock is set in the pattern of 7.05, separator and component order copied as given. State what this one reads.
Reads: 3.35
